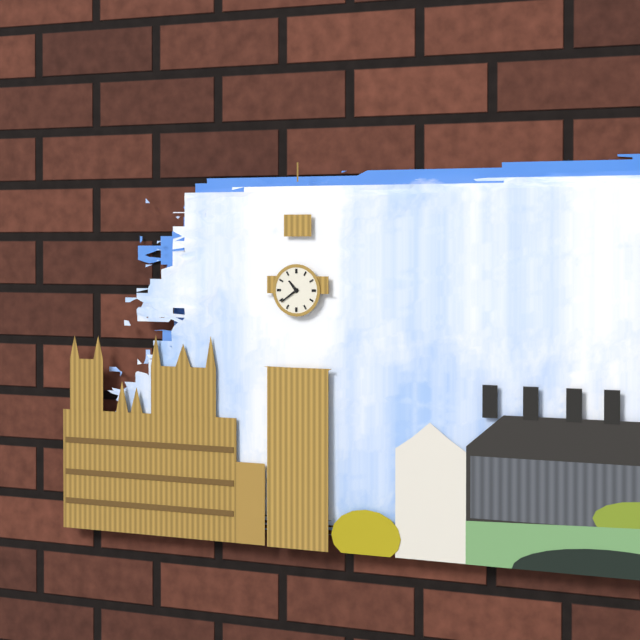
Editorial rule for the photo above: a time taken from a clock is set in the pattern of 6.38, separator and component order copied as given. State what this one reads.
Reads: 10.39
